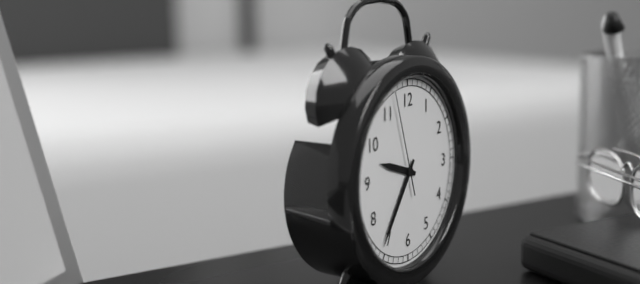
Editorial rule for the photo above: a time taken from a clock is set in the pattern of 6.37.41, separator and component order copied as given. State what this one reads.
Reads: 9.36.57
